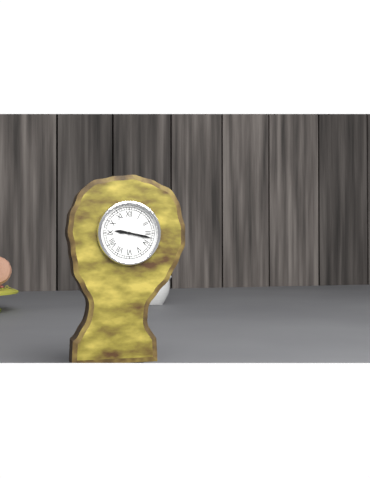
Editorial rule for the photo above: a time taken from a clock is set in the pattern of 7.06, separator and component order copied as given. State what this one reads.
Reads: 9.17
